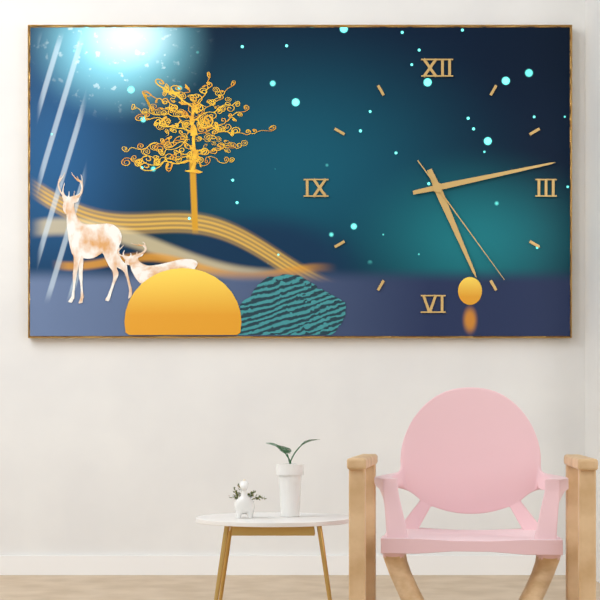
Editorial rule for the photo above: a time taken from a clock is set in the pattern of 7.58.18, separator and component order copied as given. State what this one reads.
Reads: 5.13.24
